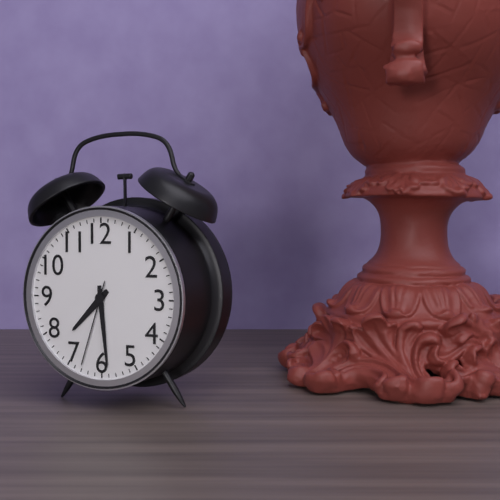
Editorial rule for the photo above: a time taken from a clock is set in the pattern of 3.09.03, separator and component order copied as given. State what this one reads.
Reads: 7.29.33
